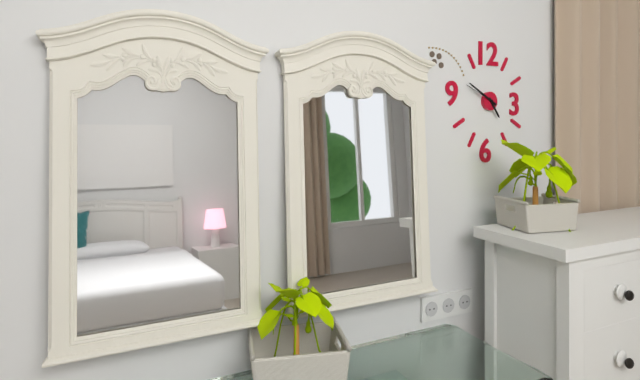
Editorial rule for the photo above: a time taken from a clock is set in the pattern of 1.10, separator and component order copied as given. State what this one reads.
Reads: 4.50
